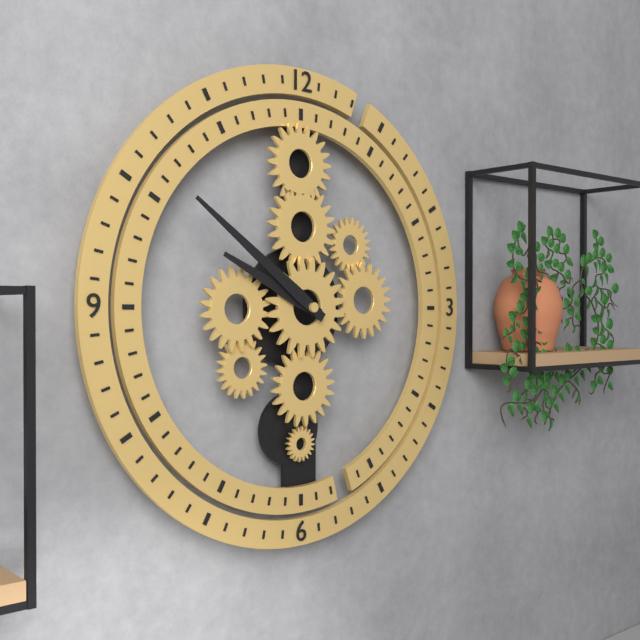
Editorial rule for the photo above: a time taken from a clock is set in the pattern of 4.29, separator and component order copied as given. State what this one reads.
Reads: 9.51
